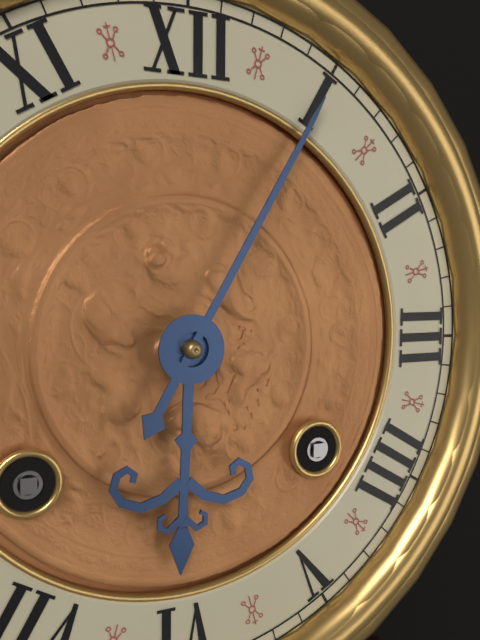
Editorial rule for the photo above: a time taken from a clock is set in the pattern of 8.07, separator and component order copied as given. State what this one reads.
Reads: 6.05
